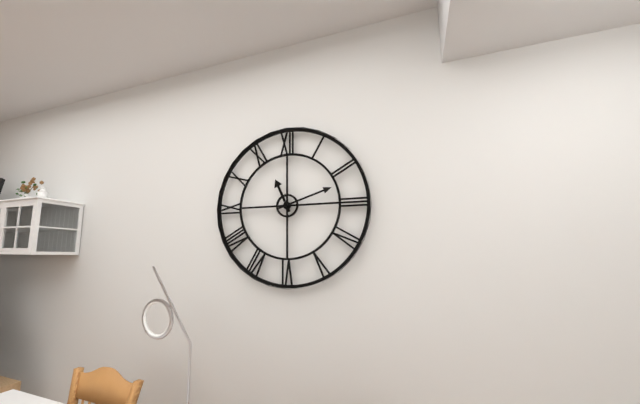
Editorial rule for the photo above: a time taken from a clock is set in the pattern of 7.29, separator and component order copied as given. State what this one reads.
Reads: 11.12
